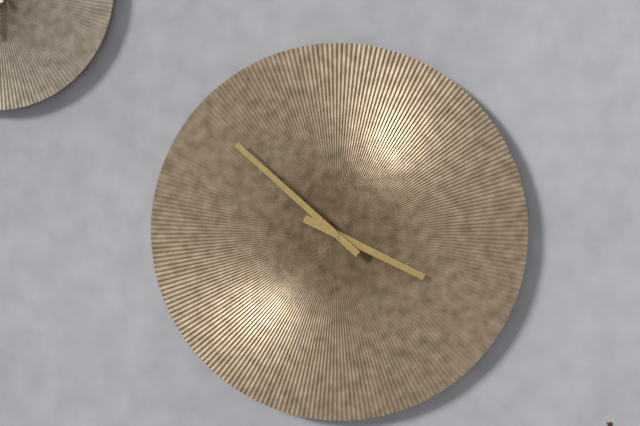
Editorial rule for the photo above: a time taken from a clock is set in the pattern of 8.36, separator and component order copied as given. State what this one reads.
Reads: 3.52
